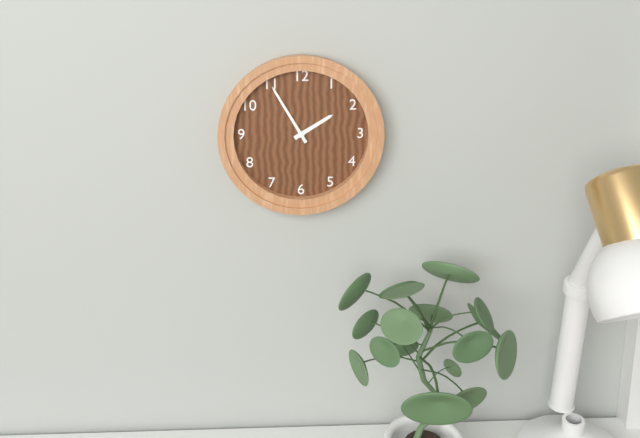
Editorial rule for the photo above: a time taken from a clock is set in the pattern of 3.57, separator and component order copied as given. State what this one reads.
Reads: 1.55
